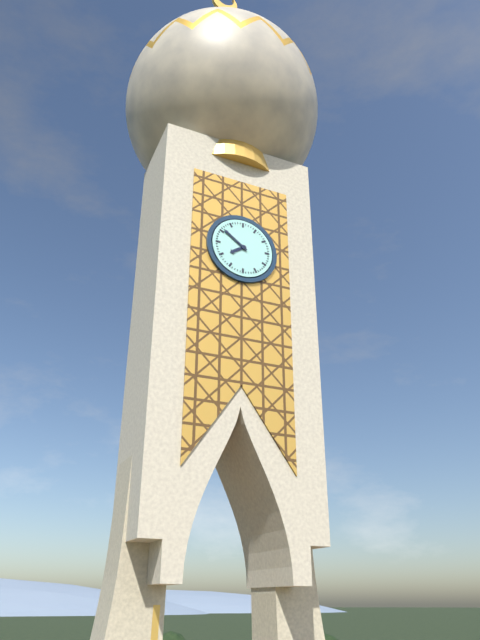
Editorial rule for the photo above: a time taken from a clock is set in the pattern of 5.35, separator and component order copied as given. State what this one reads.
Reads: 7.51
